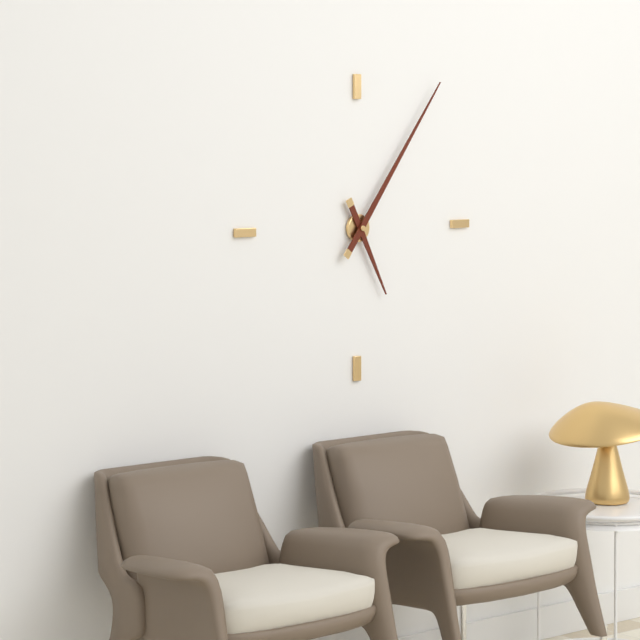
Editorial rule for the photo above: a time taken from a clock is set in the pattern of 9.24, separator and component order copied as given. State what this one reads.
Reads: 5.06
